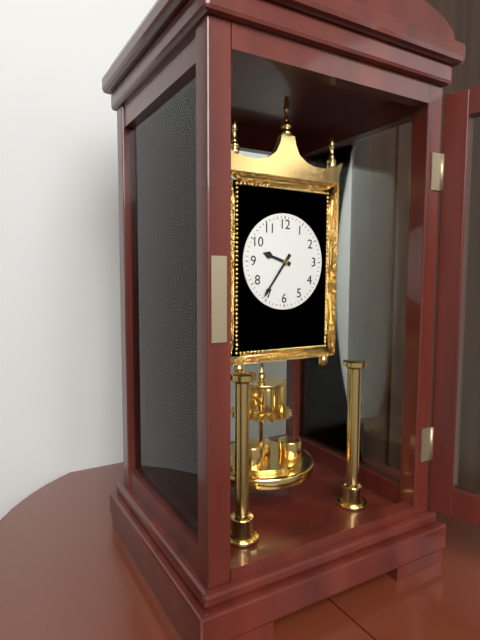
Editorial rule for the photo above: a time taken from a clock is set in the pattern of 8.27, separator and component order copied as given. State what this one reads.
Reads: 9.36
